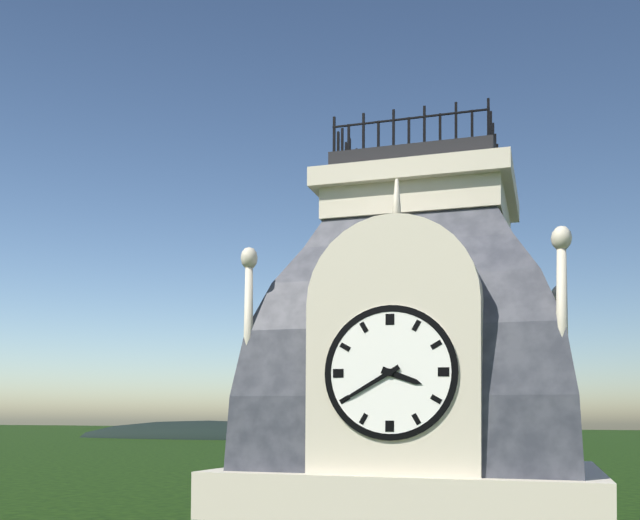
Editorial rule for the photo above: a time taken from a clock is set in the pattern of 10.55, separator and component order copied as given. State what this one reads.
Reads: 3.40
